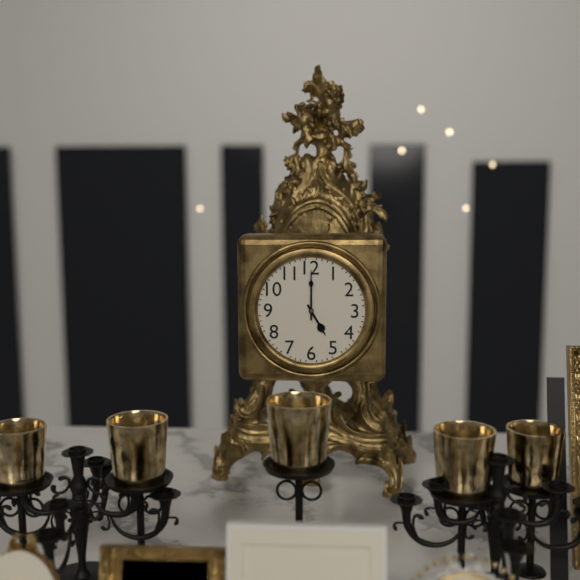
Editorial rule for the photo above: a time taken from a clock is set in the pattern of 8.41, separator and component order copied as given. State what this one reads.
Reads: 5.00
